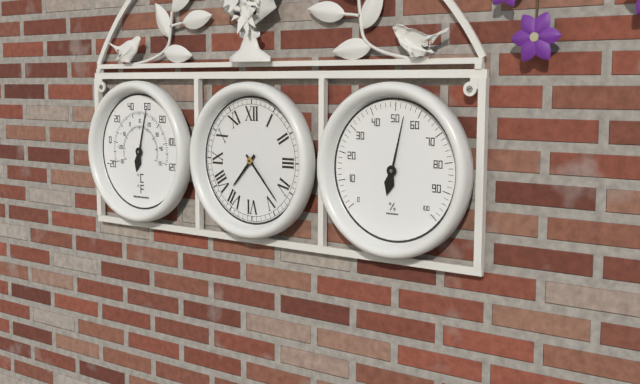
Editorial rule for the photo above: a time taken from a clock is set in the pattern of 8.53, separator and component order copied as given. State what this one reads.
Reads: 7.23
